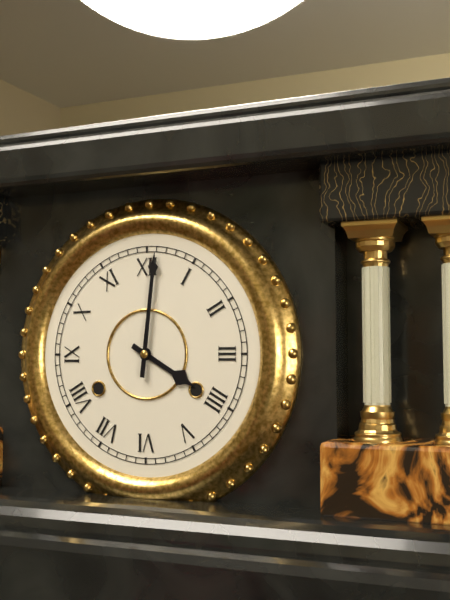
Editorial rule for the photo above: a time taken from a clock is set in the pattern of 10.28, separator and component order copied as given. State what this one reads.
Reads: 4.01
